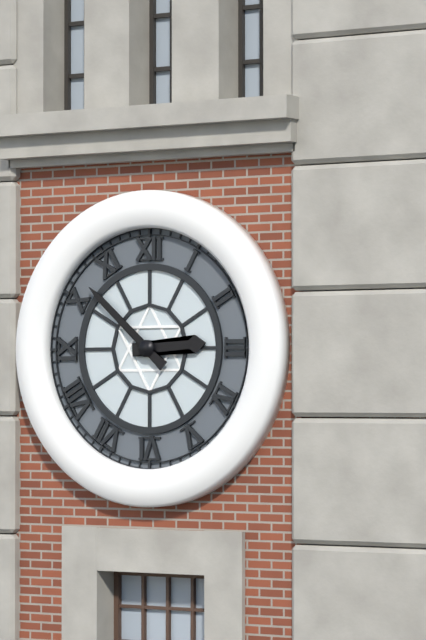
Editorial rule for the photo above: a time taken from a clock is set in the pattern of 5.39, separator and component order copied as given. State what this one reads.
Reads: 2.52
